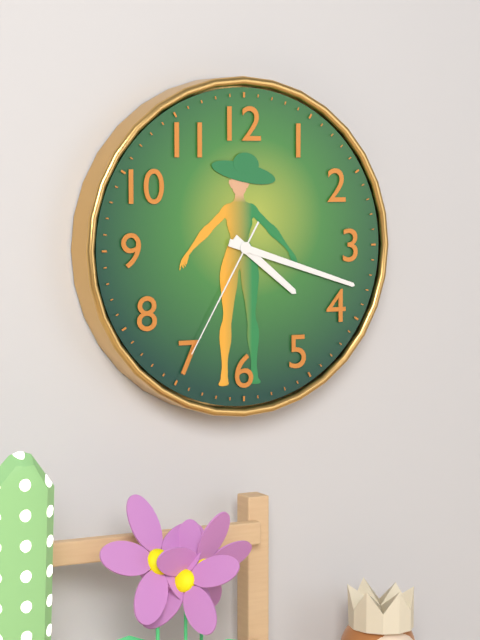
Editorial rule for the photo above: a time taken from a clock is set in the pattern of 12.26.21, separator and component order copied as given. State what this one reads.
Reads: 4.18.35
